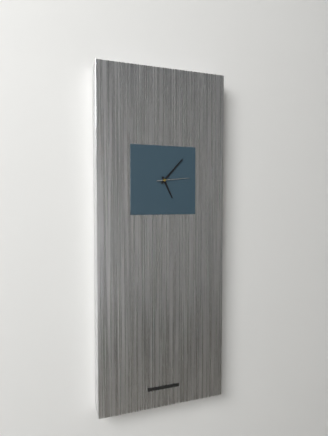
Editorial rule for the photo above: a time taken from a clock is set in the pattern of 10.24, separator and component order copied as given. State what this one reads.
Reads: 5.07
